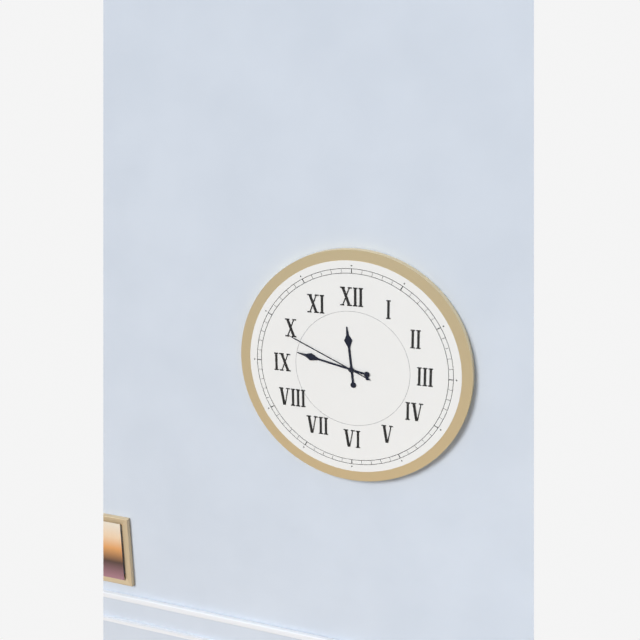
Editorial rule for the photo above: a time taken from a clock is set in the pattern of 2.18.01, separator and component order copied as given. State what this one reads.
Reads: 11.47.49
